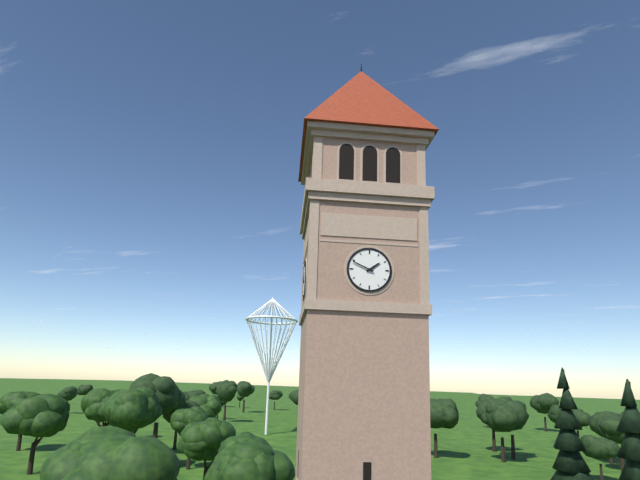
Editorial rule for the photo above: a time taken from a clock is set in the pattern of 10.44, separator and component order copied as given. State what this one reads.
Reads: 1.49
